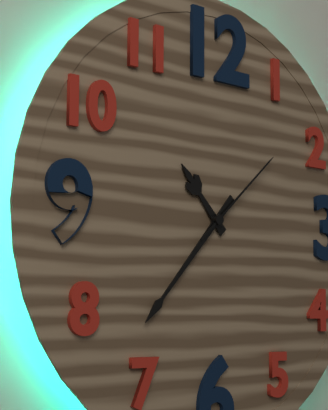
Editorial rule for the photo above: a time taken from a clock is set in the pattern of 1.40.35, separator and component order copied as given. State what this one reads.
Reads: 10.37.08
